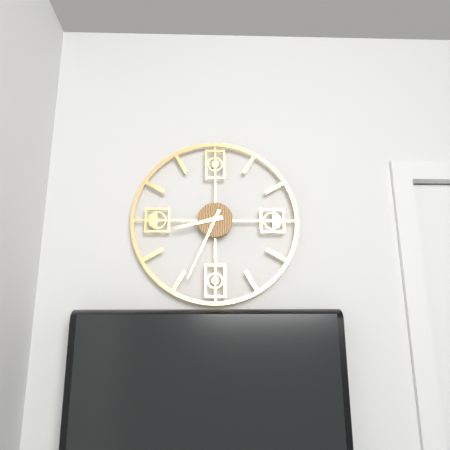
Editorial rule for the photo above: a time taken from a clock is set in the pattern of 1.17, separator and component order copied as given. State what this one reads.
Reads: 8.34
